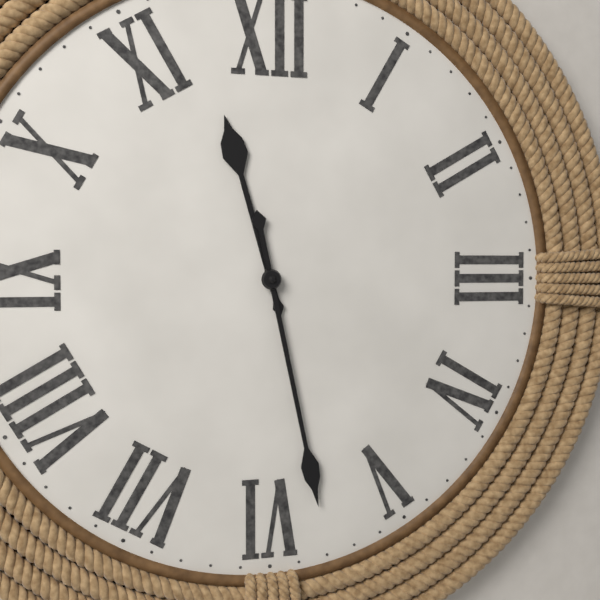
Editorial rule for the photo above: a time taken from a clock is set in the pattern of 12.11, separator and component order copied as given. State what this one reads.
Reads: 11.28
